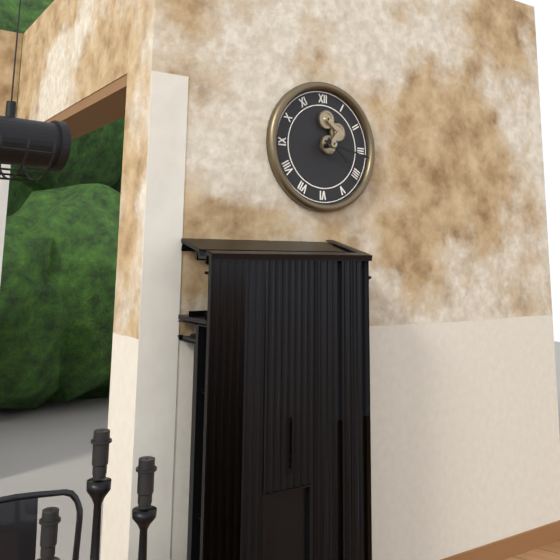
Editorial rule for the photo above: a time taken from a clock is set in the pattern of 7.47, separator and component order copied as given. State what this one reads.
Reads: 4.17
